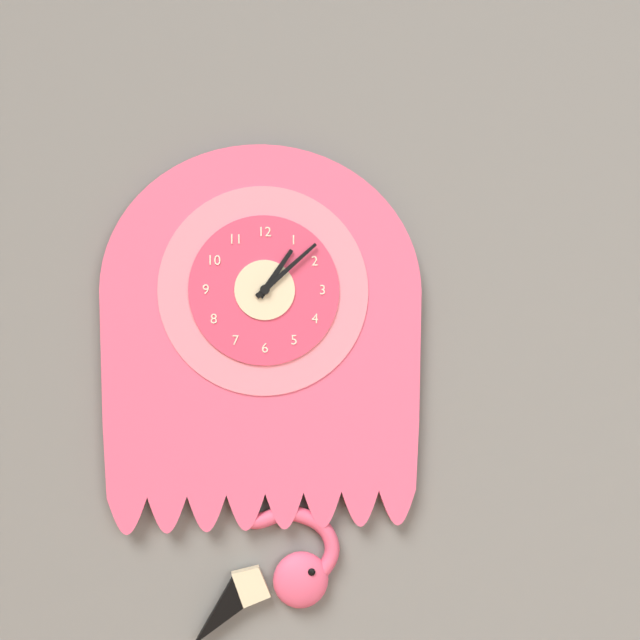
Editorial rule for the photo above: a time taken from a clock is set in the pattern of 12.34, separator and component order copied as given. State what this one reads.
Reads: 1.08
